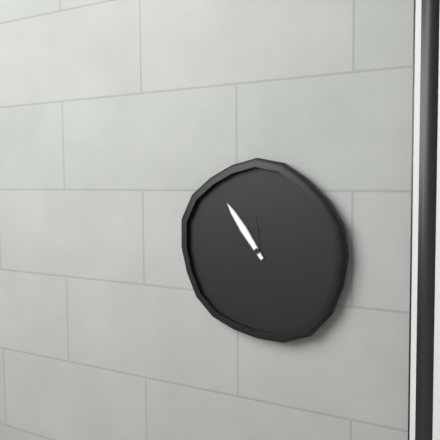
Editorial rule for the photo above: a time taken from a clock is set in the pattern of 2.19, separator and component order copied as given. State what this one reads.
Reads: 11.54
